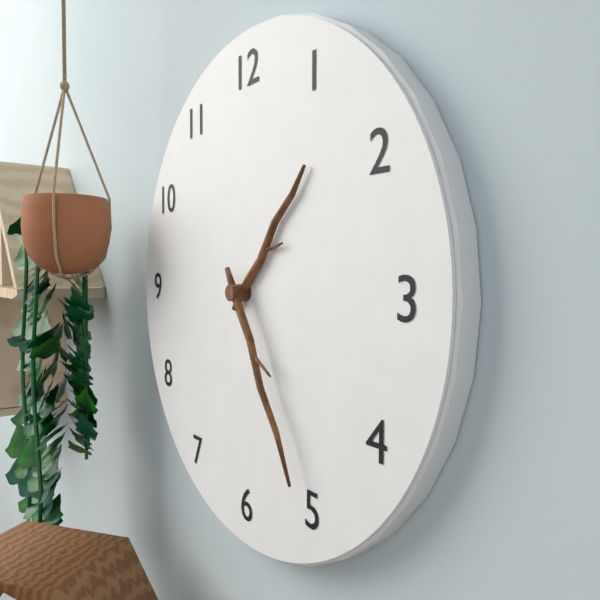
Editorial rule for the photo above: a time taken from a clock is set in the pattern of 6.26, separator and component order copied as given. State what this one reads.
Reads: 1.25
